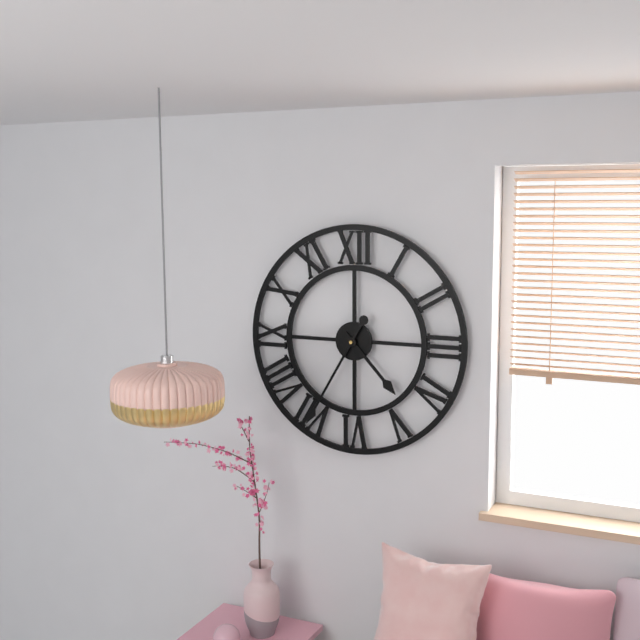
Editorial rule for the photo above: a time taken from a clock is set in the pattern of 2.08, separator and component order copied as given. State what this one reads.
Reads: 4.35
